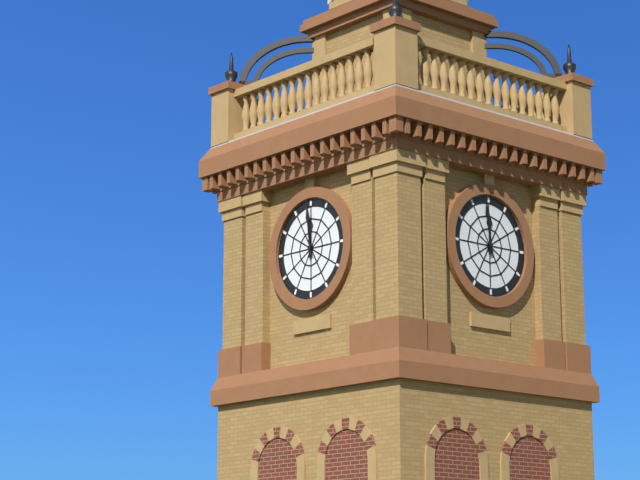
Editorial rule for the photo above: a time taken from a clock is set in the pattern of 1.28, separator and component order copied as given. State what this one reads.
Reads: 11.59
